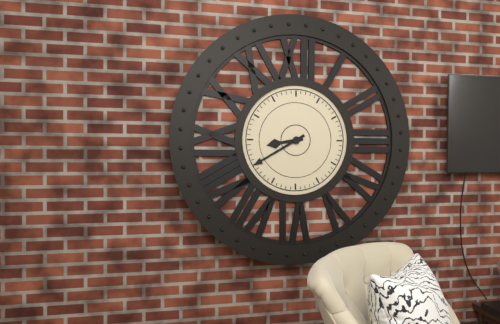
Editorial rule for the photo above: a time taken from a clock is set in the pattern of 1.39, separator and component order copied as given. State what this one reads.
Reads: 8.40
